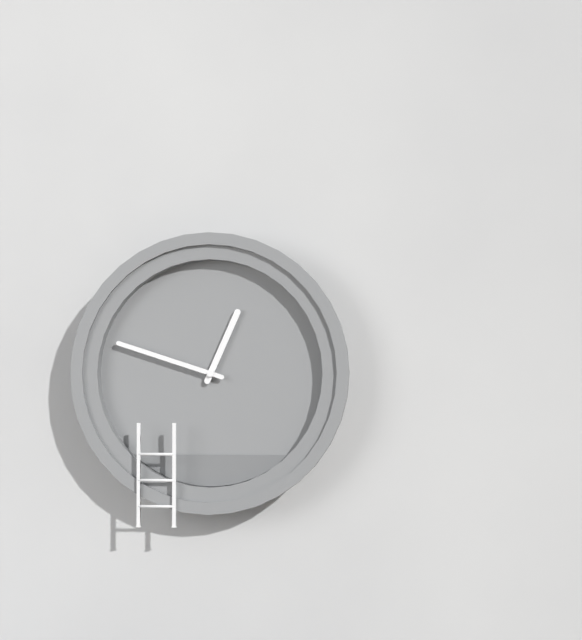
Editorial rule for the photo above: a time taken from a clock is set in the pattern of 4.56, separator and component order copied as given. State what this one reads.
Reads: 12.48
